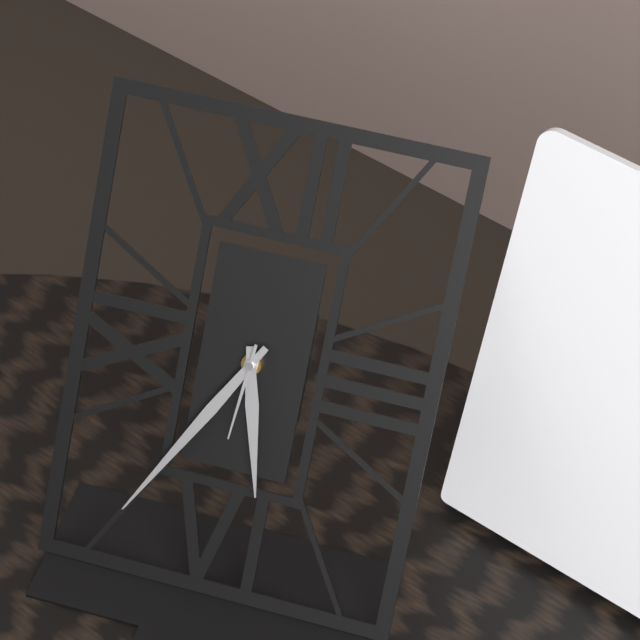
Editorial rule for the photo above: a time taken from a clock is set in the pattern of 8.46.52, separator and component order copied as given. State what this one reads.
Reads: 5.35.31
